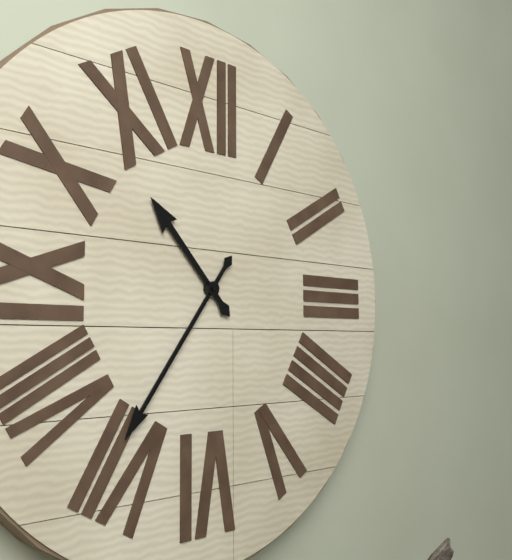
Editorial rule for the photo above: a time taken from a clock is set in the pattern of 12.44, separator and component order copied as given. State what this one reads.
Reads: 10.36
